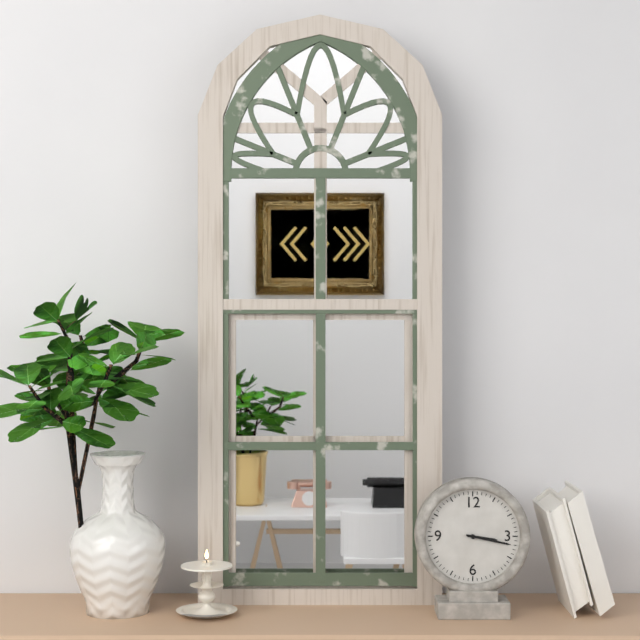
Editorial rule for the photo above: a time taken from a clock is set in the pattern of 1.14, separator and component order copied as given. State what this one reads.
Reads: 3.17
